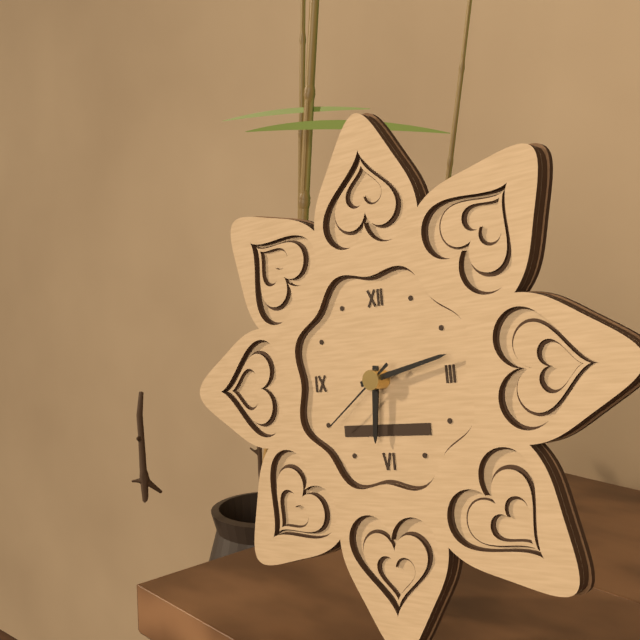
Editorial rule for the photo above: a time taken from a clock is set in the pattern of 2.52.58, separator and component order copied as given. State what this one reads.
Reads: 6.13.39
